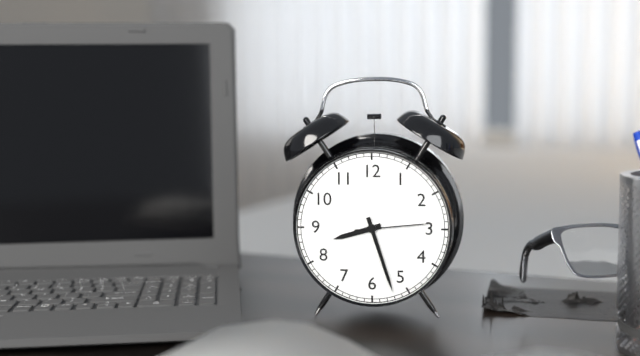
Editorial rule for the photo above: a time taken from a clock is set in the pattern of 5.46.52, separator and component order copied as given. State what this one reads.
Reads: 8.27.14
